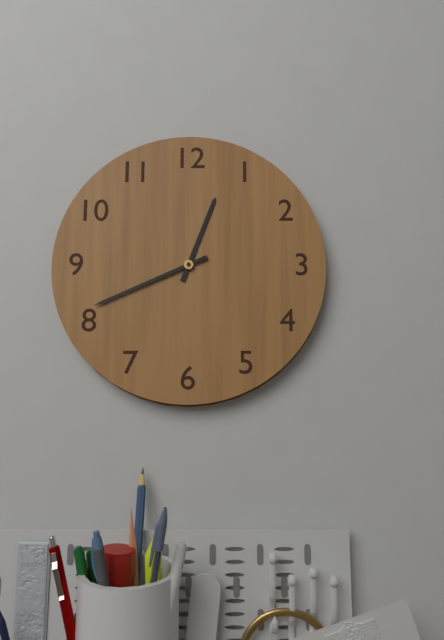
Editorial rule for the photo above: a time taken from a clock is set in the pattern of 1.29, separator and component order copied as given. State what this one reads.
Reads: 12.41
